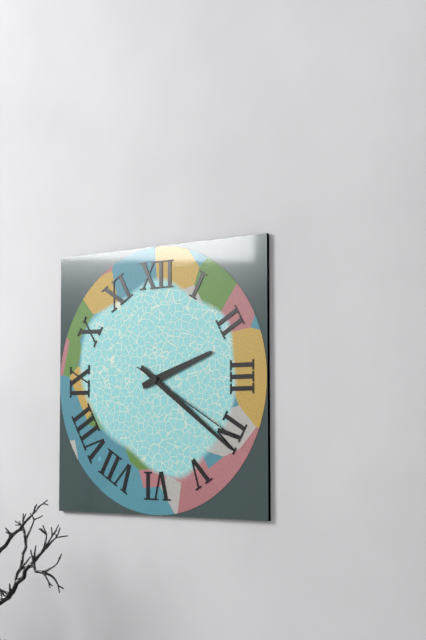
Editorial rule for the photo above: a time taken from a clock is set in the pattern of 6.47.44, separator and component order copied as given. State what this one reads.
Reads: 2.21.20
